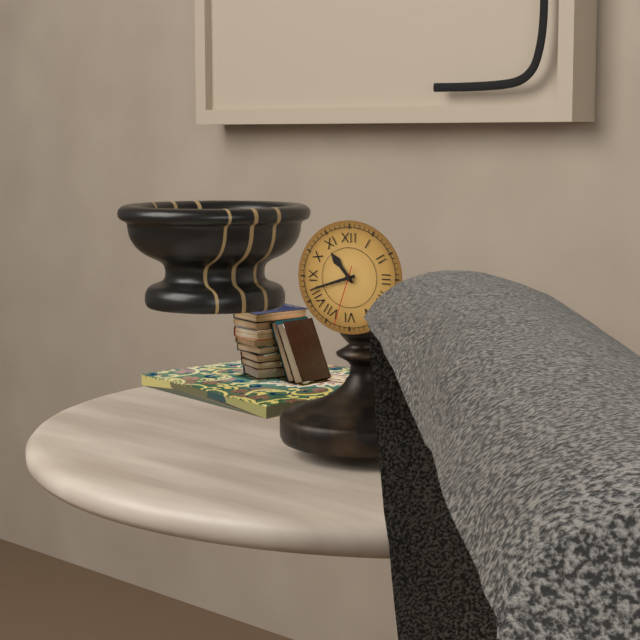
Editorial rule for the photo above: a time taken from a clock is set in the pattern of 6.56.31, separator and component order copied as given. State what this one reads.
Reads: 10.42.33
